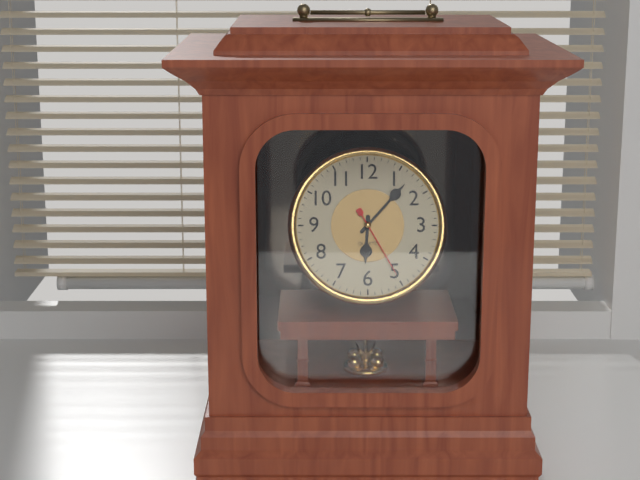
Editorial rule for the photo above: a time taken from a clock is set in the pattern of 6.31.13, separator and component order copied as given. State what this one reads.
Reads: 6.07.25
